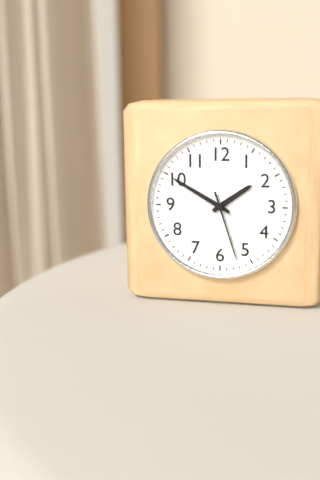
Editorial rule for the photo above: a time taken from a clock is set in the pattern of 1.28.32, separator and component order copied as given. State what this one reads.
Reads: 1.50.27
